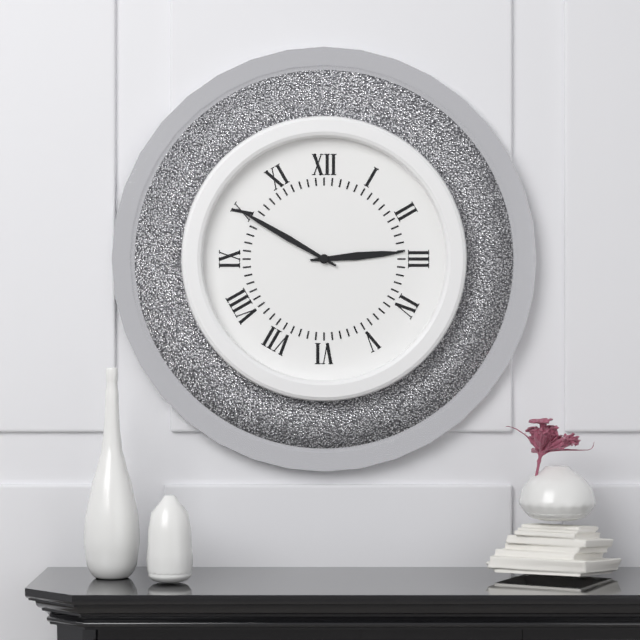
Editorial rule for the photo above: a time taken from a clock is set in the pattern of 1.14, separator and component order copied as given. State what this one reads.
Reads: 2.50
